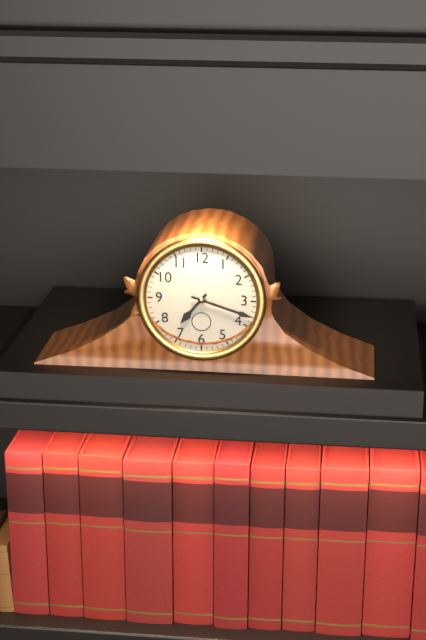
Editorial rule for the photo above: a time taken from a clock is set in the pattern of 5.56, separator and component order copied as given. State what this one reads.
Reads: 7.18
